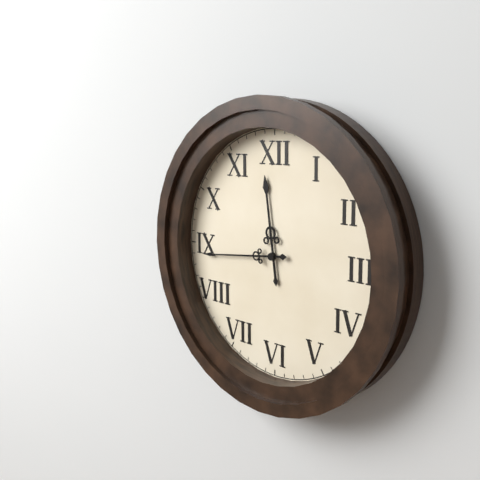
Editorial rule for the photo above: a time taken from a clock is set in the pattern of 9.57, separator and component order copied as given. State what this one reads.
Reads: 11.44
